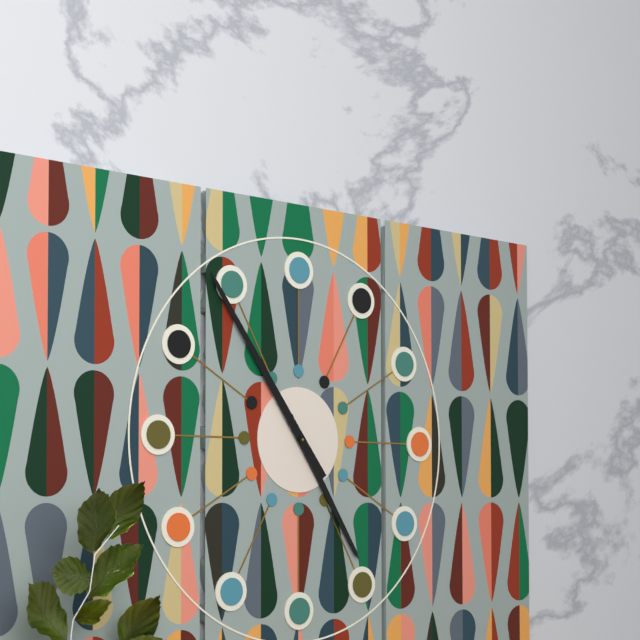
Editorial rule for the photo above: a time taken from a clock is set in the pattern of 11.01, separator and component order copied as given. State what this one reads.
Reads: 4.54
